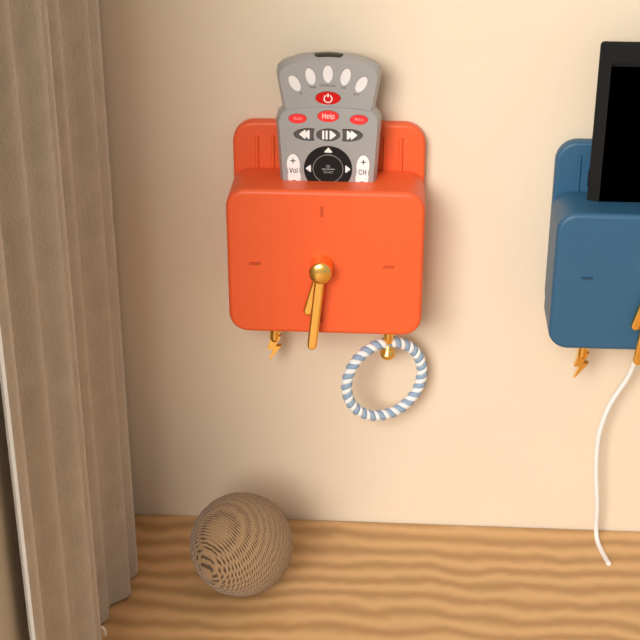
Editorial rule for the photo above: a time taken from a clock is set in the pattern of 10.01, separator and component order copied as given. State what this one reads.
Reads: 6.31
